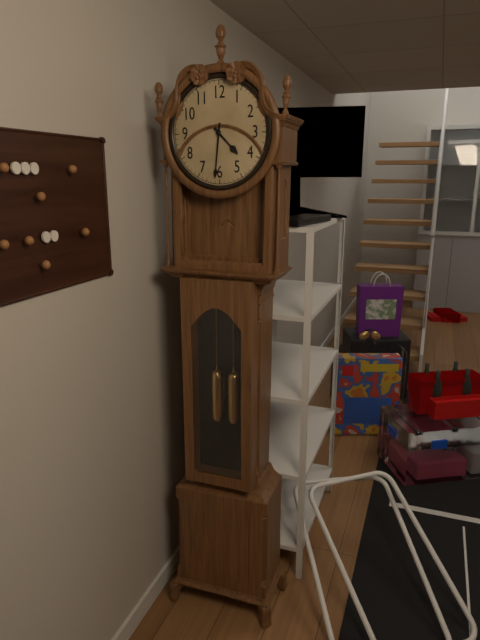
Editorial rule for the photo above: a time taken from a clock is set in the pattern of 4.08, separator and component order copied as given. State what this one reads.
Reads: 4.31
